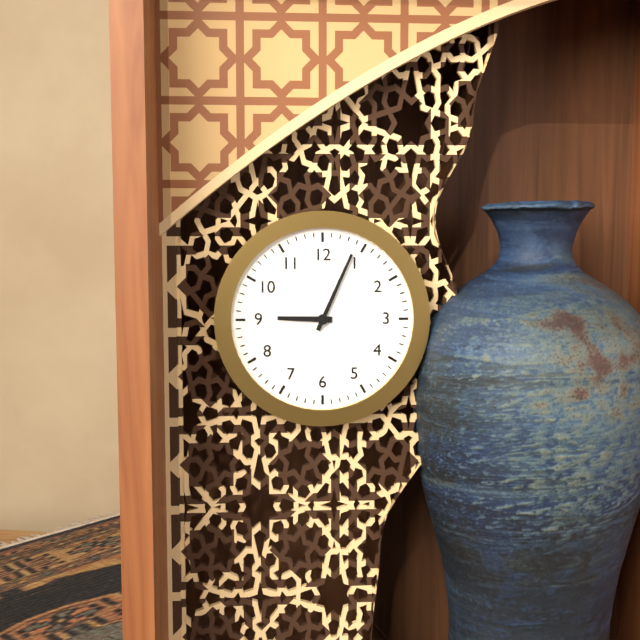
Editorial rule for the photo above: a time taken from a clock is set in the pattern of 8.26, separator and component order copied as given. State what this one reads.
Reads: 9.04
